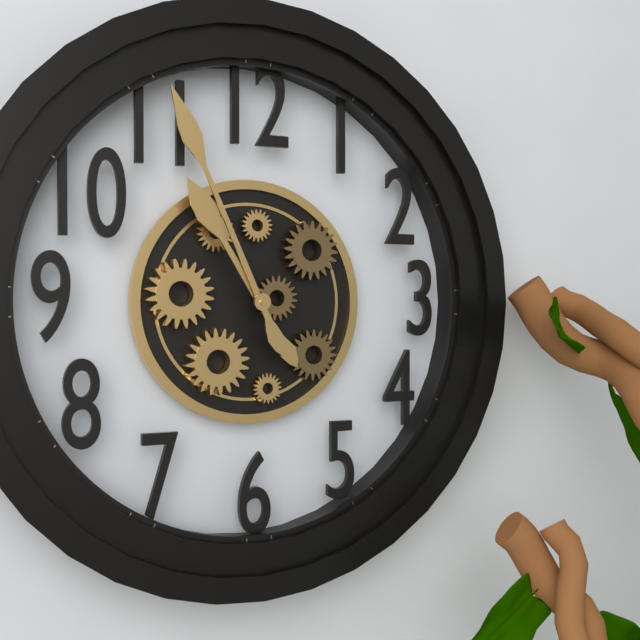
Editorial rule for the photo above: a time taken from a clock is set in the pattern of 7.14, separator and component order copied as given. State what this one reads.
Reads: 10.56
